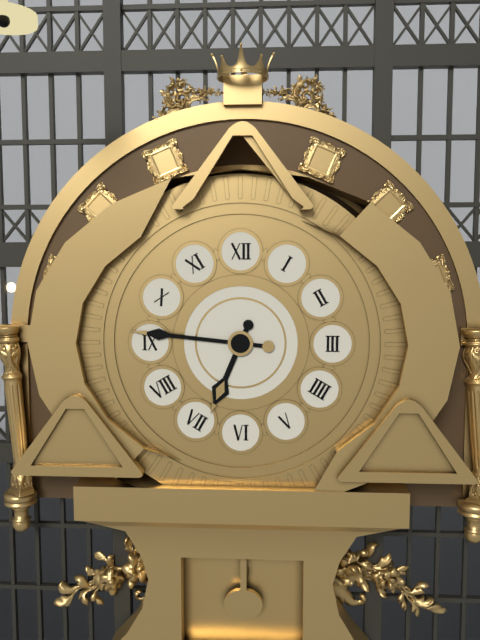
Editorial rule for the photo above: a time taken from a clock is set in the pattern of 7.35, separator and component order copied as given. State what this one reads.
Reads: 6.46
